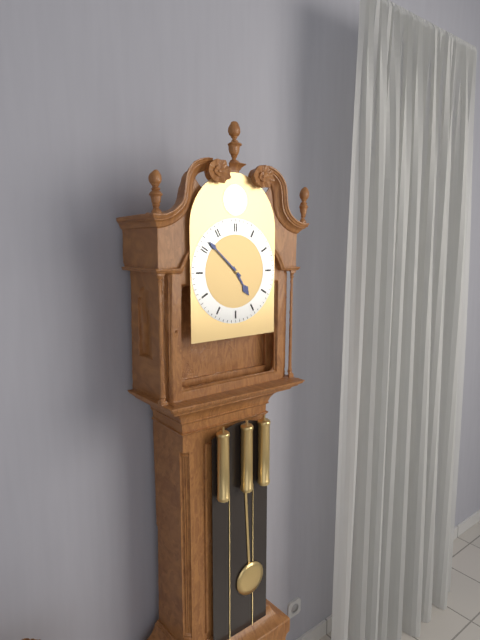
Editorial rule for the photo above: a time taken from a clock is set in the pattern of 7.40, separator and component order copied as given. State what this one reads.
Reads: 4.52
